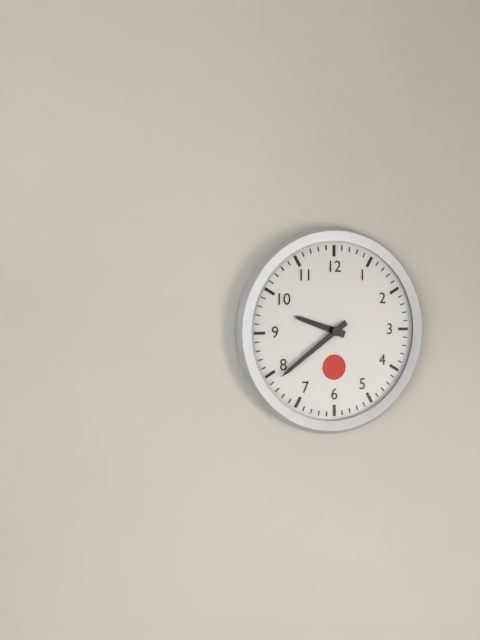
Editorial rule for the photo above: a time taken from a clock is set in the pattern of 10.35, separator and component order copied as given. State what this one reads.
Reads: 9.39
